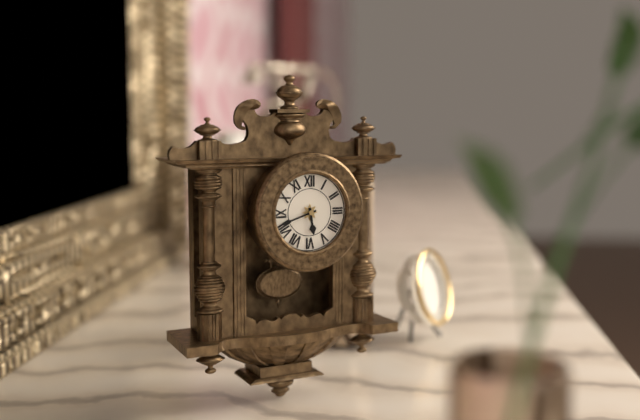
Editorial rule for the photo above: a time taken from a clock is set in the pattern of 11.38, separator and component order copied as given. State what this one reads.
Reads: 5.42
